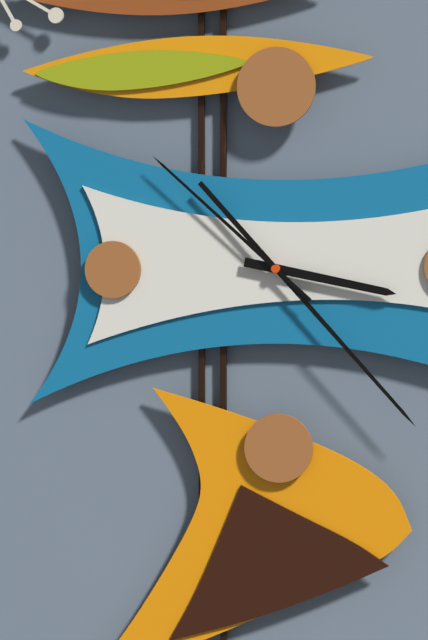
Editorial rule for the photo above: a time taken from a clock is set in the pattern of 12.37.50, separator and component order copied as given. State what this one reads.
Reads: 3.23.52
